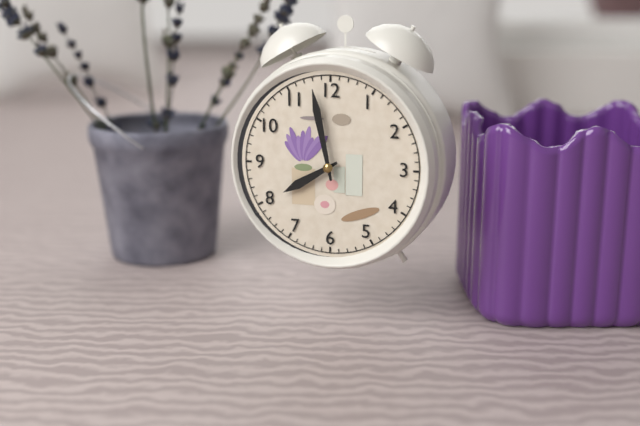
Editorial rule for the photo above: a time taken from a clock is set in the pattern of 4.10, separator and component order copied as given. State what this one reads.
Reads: 7.58
